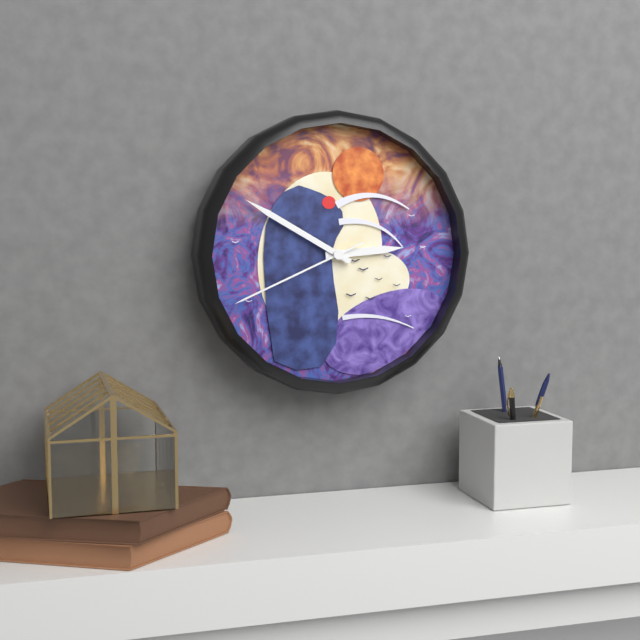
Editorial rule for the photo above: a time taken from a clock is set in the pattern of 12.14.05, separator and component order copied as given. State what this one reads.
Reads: 2.50.41
